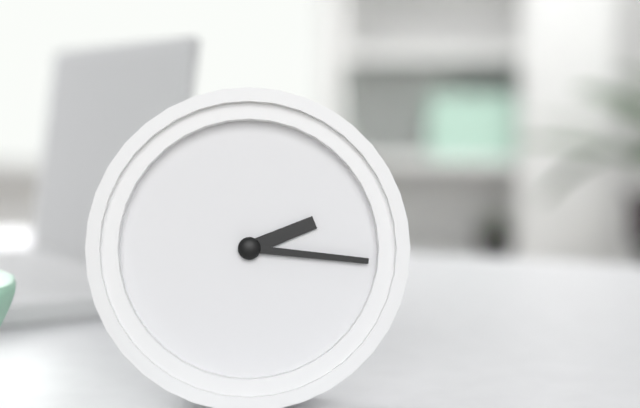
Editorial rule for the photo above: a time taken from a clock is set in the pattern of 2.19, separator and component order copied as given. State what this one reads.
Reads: 2.16
